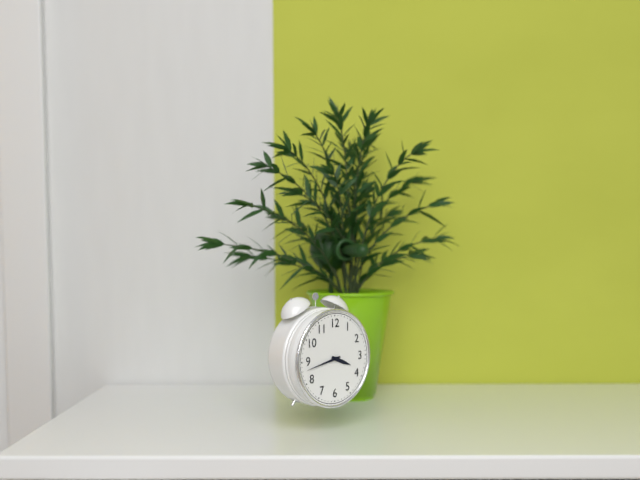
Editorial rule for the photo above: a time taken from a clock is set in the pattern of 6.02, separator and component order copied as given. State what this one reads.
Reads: 3.43
